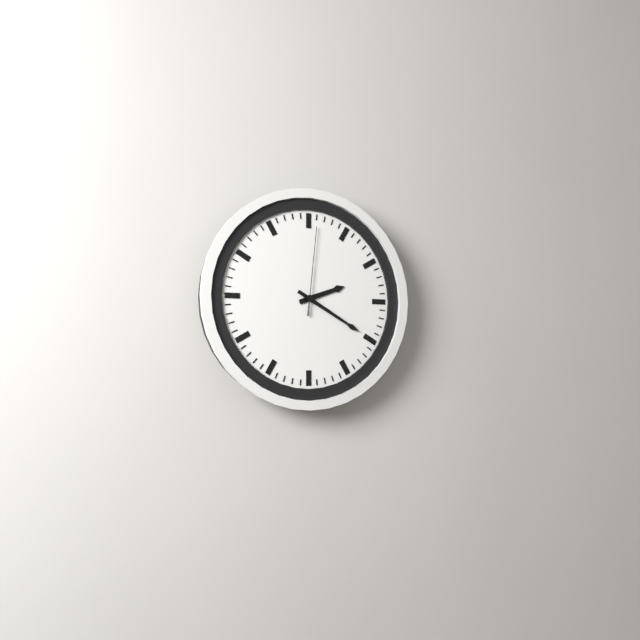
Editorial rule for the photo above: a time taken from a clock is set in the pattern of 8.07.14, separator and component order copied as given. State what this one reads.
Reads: 2.20.01
